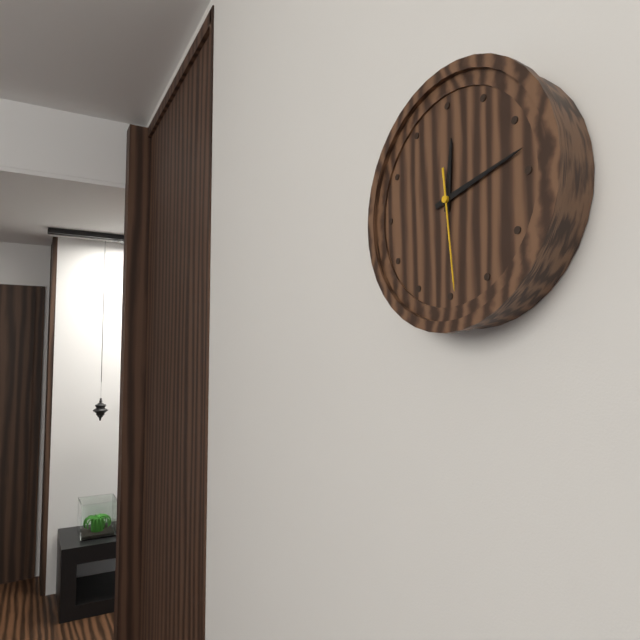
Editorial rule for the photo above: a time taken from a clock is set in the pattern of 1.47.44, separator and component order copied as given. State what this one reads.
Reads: 12.13.29
